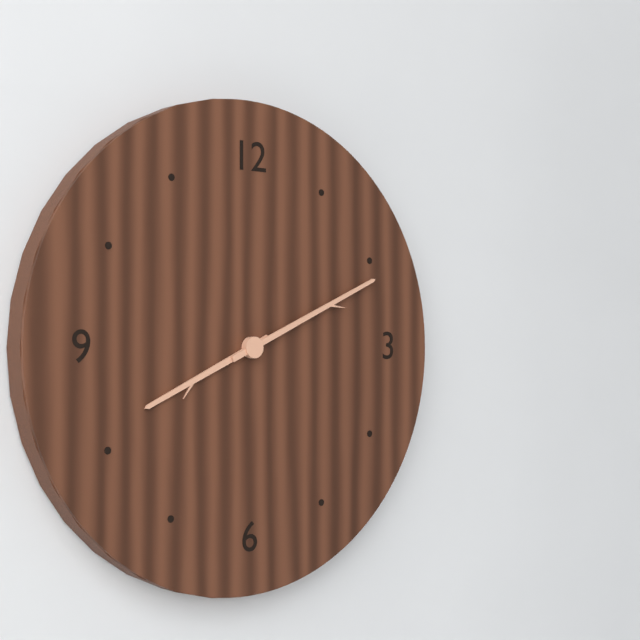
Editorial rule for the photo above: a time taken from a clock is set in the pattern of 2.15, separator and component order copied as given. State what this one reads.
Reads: 8.11
